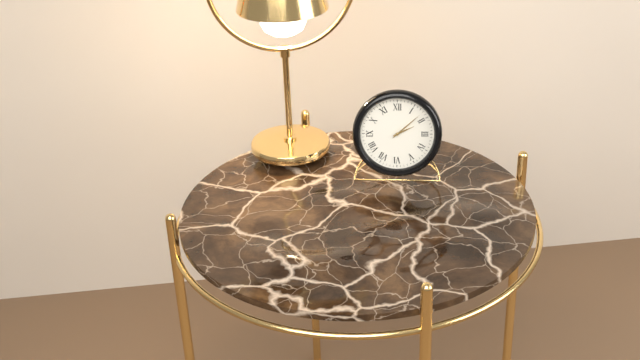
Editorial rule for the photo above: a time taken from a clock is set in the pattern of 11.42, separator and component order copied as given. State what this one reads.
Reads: 2.08
